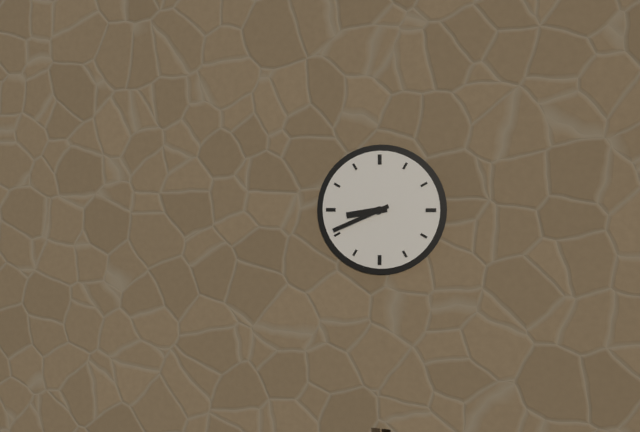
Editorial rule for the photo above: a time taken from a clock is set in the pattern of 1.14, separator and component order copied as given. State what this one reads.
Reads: 8.41
